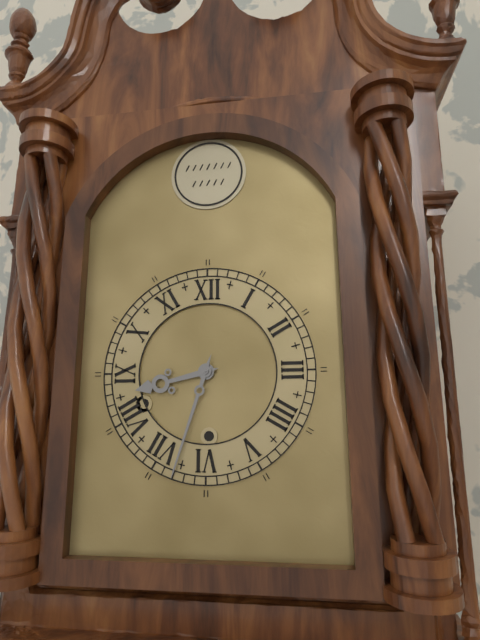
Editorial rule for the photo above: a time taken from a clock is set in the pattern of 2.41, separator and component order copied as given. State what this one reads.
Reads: 8.33
